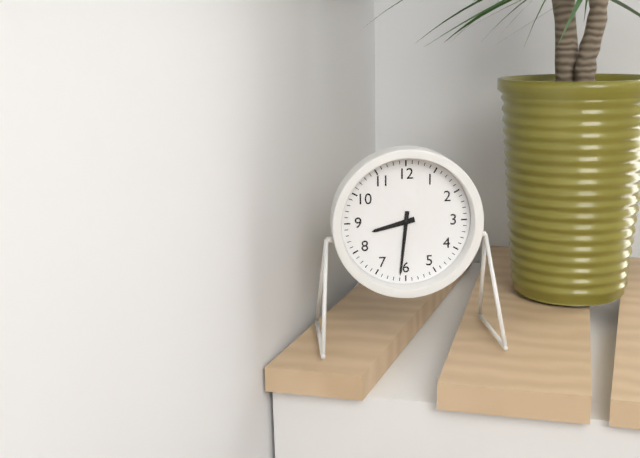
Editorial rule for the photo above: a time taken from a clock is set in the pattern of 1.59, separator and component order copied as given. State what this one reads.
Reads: 8.31
